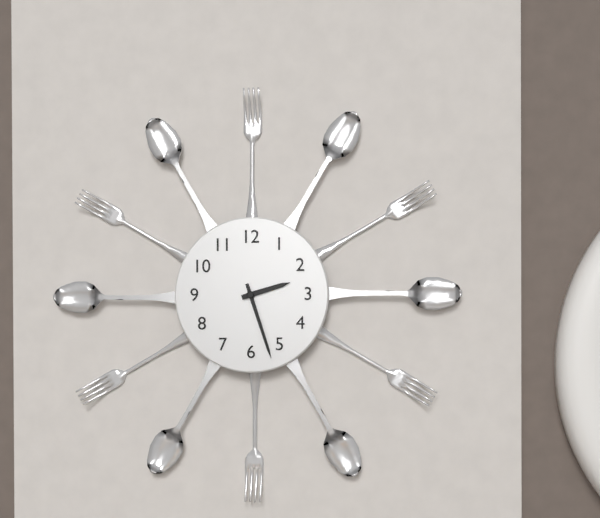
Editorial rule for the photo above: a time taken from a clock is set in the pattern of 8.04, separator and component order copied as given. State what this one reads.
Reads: 2.27
